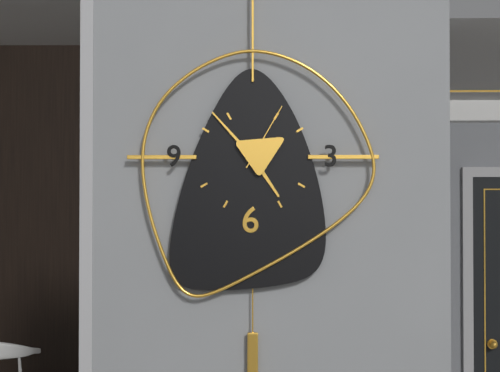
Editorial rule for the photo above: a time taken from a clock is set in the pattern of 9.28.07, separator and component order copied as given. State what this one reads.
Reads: 4.53.05
